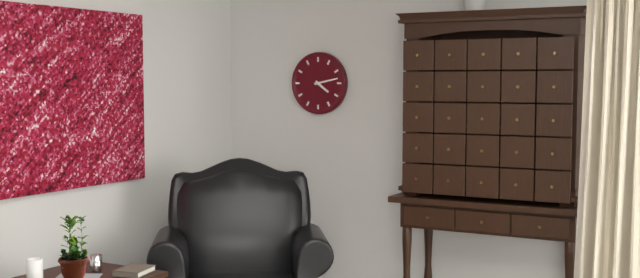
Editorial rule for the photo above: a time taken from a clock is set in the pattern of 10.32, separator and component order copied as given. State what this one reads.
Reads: 4.13
